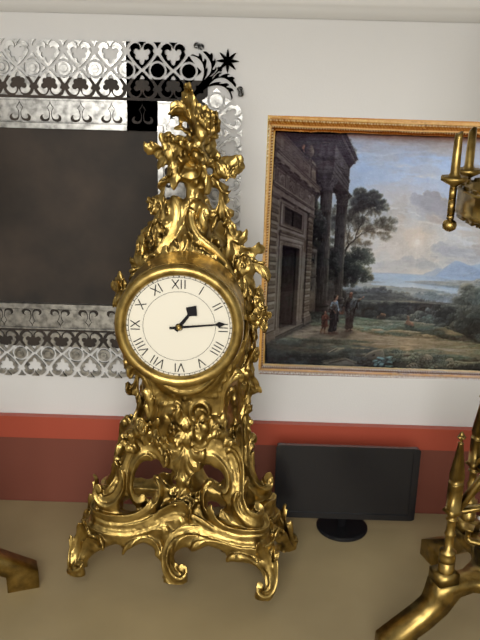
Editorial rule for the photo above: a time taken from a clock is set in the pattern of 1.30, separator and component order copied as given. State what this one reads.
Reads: 1.14
